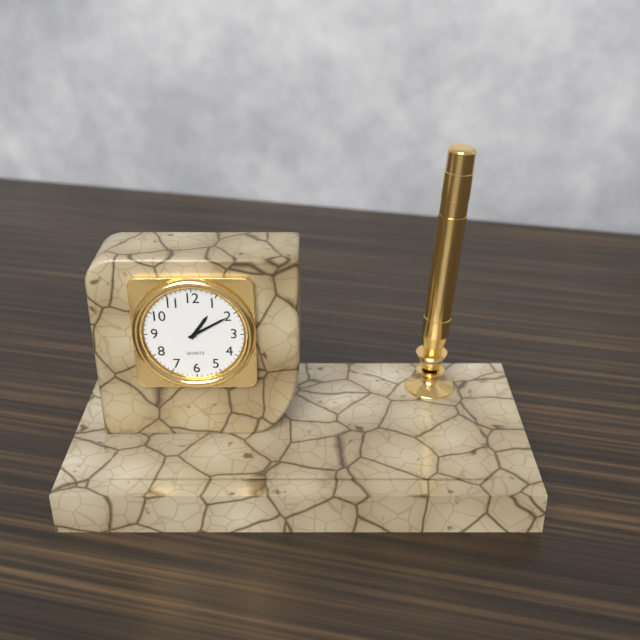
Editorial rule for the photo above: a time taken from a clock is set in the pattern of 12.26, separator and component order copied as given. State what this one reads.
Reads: 1.10
